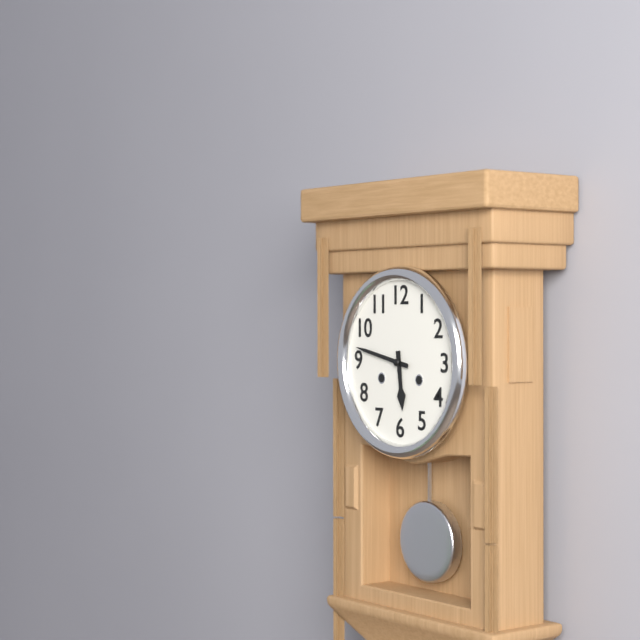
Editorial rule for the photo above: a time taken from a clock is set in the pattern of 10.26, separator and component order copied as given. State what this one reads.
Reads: 5.47
